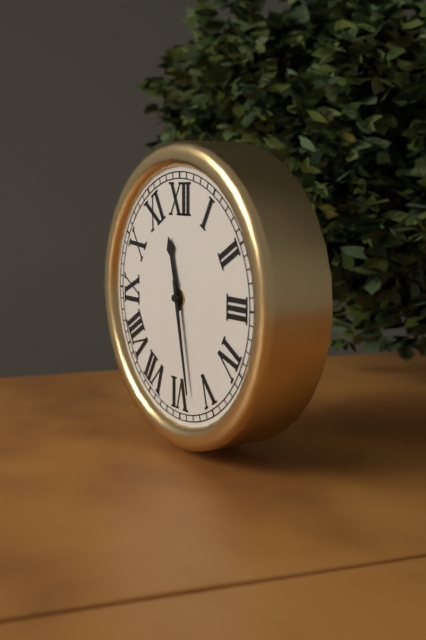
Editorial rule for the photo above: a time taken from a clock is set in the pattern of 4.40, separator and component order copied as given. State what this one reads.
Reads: 11.28
